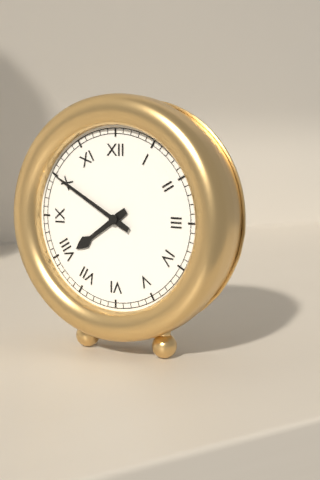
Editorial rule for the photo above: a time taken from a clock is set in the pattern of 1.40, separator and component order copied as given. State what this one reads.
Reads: 7.50
